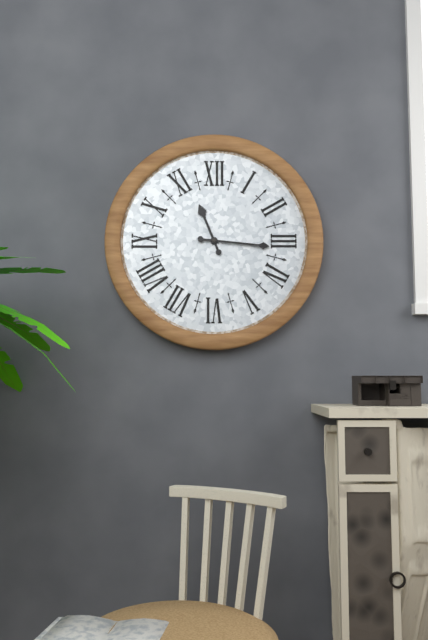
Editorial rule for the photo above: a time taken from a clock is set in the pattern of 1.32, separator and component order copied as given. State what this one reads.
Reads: 11.16
